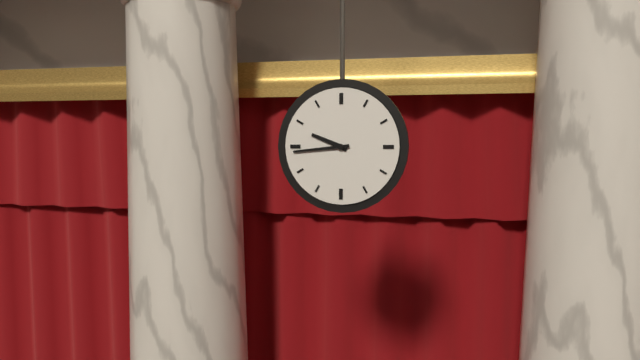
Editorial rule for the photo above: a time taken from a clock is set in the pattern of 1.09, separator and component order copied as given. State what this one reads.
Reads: 9.44
